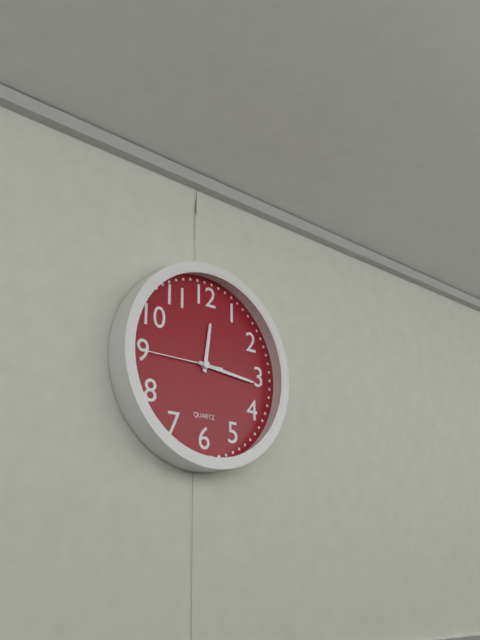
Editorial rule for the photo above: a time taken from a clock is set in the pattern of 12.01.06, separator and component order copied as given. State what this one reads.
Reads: 12.16.45
